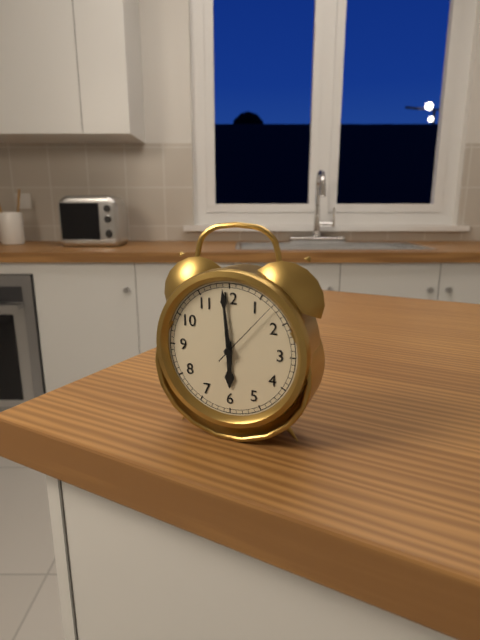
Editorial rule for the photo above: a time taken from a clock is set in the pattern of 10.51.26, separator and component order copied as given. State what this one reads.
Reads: 5.59.07
